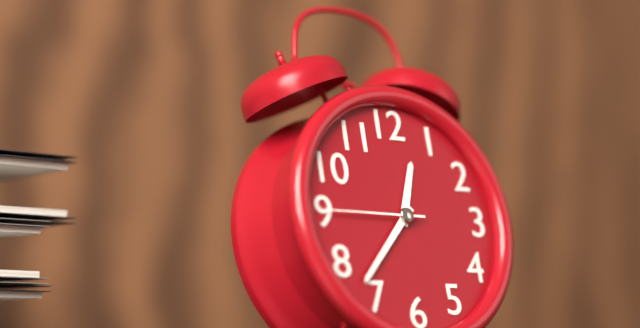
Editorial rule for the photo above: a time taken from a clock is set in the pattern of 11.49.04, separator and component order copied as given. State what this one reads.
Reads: 12.37.45
